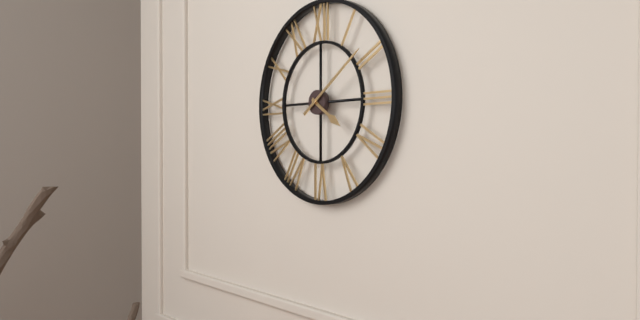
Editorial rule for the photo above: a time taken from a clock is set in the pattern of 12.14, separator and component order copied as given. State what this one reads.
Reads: 4.09
